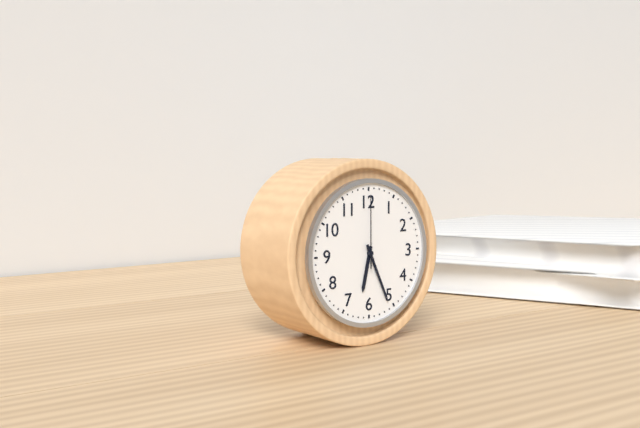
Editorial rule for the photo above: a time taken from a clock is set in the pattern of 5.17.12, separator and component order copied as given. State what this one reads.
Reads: 6.26.00
